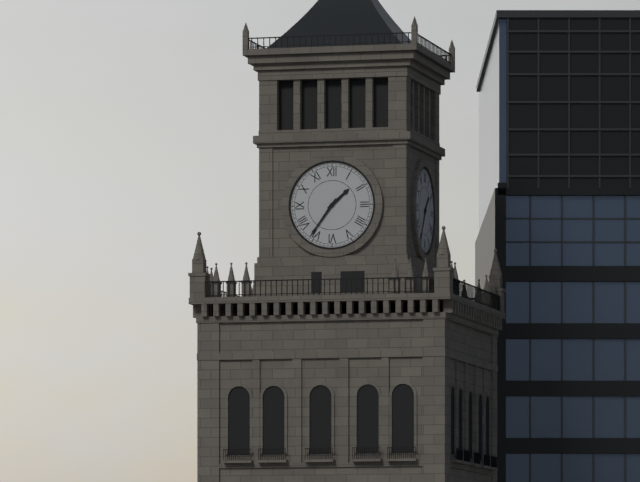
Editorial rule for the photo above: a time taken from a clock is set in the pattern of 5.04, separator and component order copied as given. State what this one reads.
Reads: 1.36
